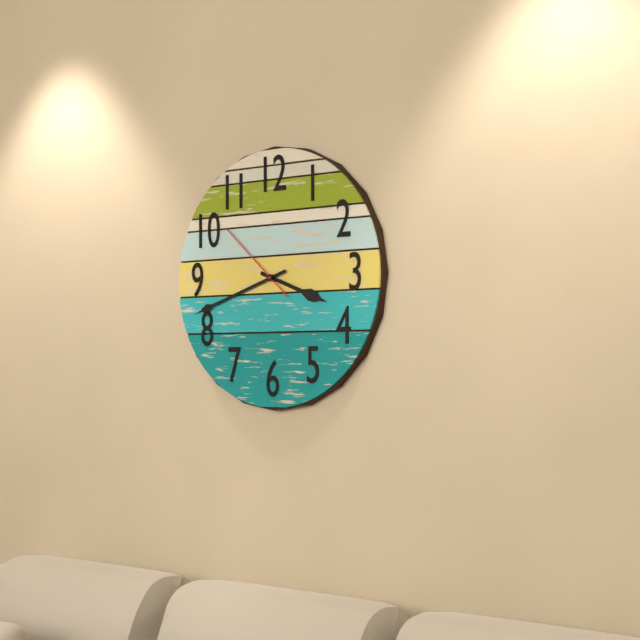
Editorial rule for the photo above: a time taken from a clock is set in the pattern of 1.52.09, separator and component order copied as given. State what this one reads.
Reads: 3.42.52
